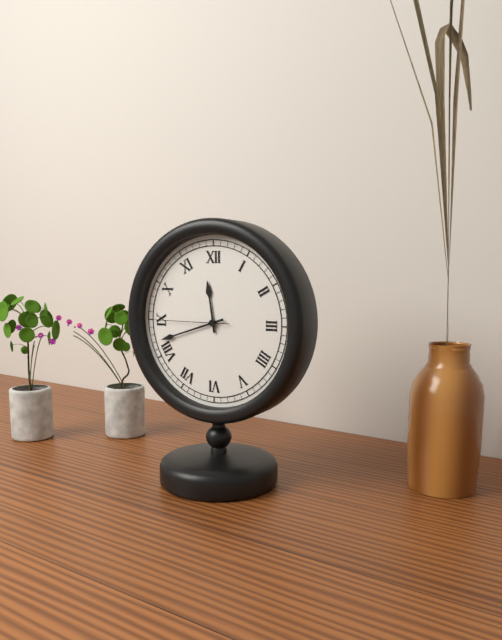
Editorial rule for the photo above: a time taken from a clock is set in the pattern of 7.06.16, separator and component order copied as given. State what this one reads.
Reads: 11.42.45
